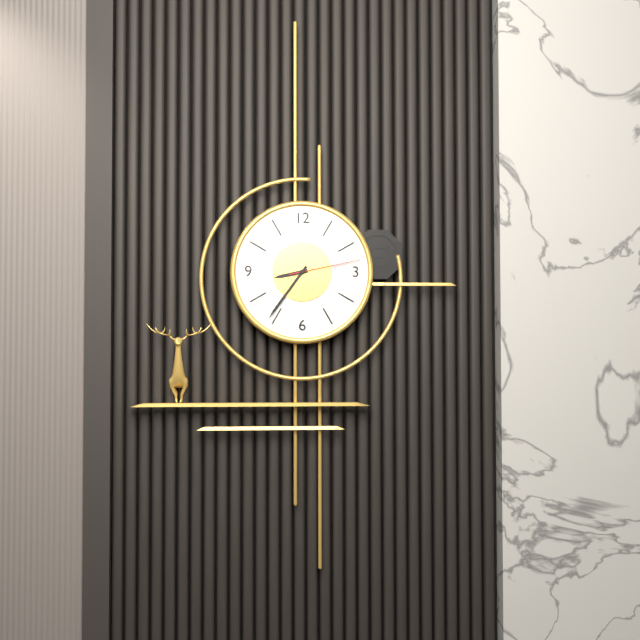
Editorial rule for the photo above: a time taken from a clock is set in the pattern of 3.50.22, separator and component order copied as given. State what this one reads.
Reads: 8.36.13
